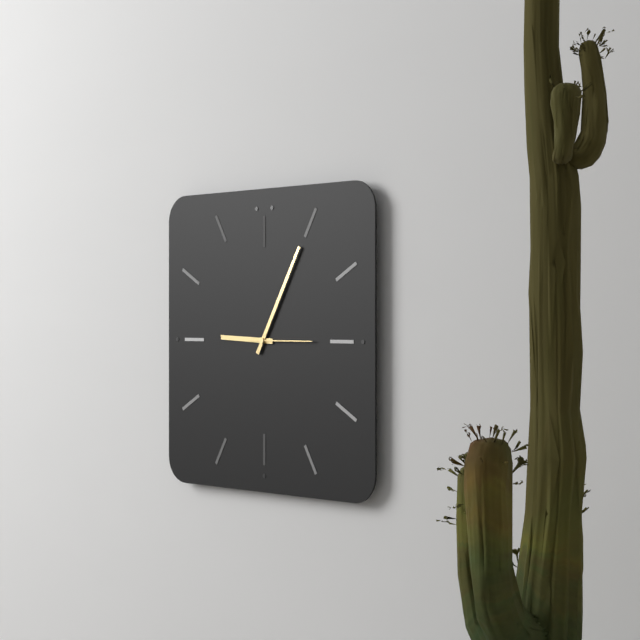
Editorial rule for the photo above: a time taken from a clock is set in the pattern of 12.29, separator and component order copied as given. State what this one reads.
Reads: 9.05
